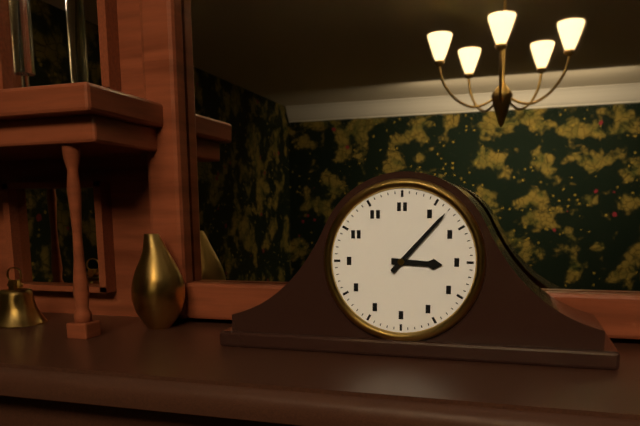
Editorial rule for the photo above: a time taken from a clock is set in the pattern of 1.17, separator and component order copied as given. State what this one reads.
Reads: 3.07
